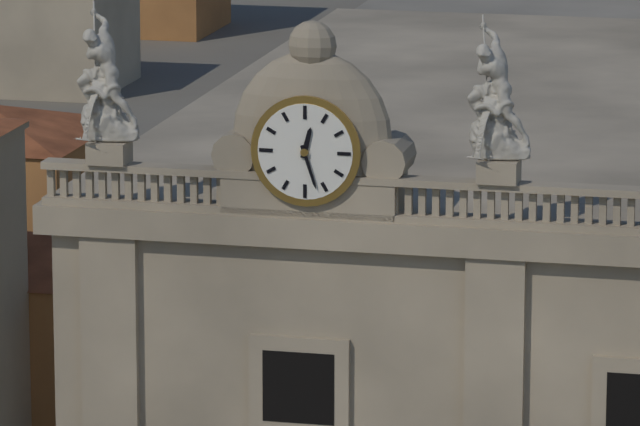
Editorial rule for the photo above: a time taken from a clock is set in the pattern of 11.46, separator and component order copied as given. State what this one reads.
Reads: 12.27
